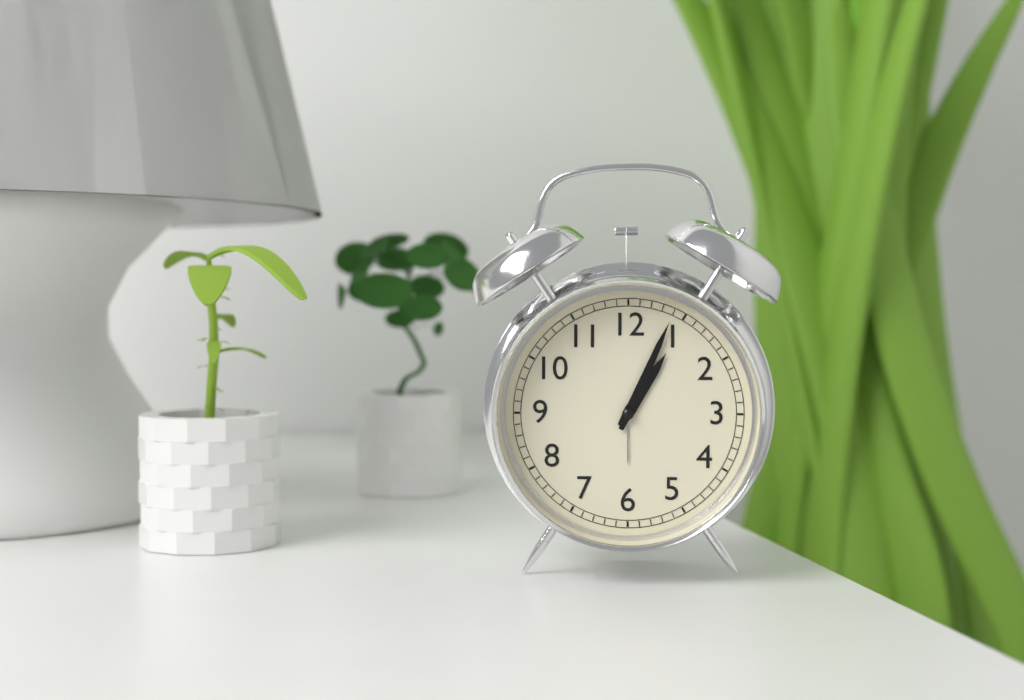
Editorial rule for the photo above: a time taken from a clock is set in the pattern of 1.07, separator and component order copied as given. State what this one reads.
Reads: 1.04
